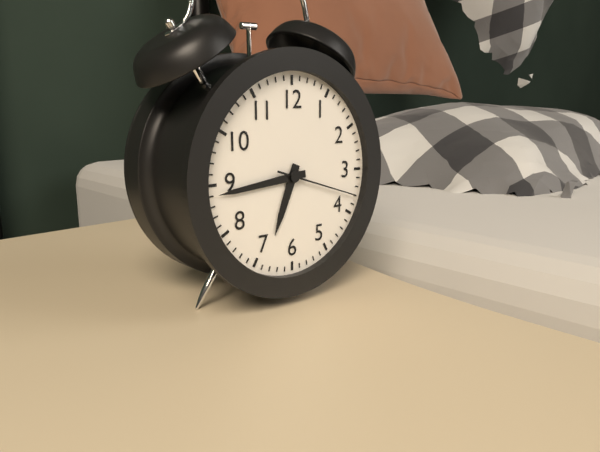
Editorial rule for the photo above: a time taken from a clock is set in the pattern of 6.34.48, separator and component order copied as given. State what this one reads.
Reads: 6.44.18
